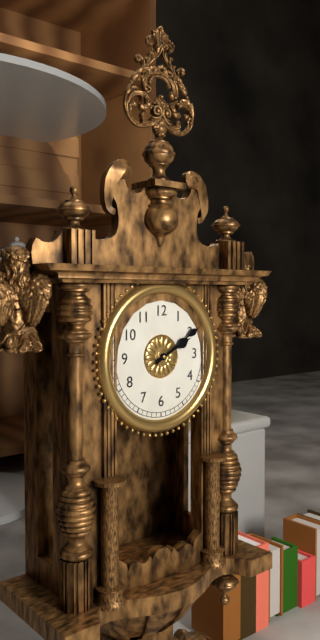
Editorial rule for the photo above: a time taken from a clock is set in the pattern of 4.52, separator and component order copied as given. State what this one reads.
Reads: 2.10
